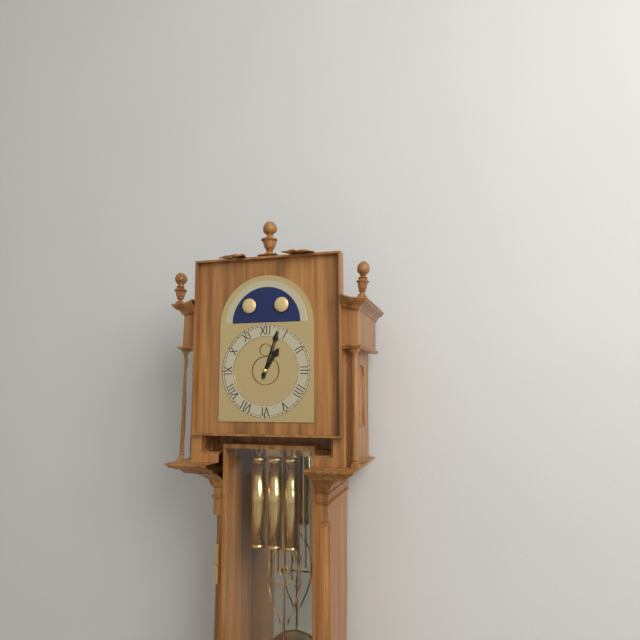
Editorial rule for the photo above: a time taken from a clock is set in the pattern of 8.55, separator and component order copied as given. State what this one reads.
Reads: 1.03
